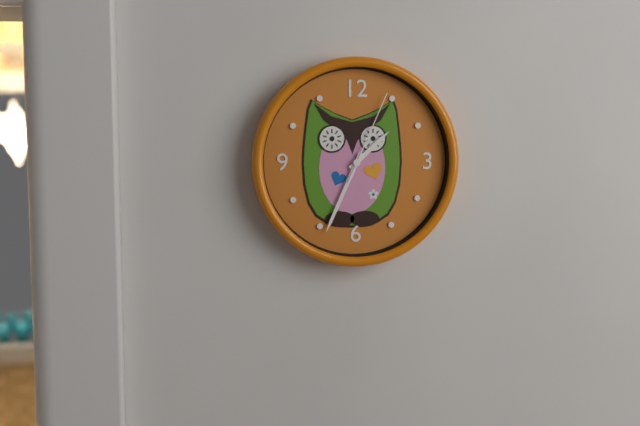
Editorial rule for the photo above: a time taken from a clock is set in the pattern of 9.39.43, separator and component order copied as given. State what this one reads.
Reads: 1.34.04
